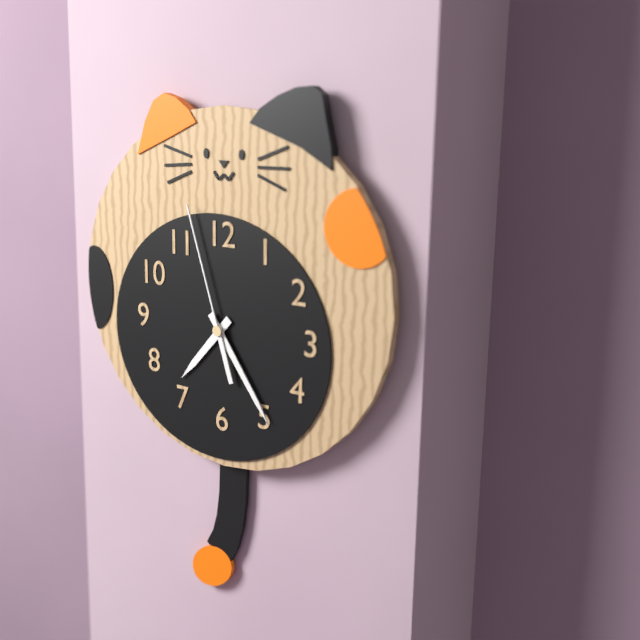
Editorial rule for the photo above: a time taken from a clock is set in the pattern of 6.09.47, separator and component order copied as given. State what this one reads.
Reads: 7.24.57
